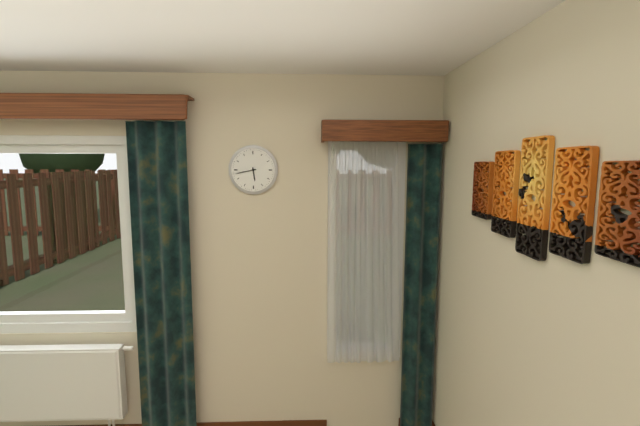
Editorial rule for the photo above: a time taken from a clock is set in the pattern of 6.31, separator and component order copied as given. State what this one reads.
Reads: 5.43
